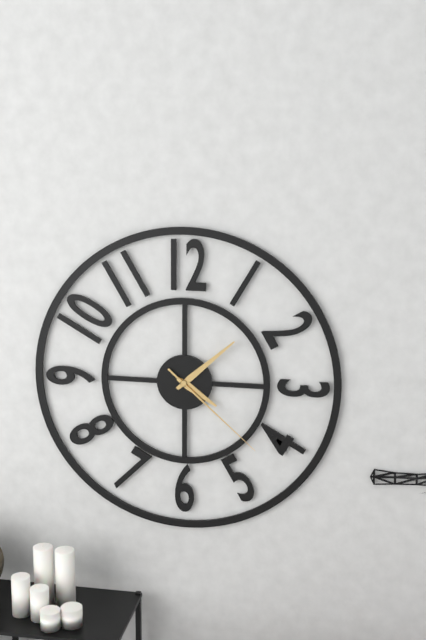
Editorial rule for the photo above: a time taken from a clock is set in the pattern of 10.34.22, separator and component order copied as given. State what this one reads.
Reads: 4.08.22
